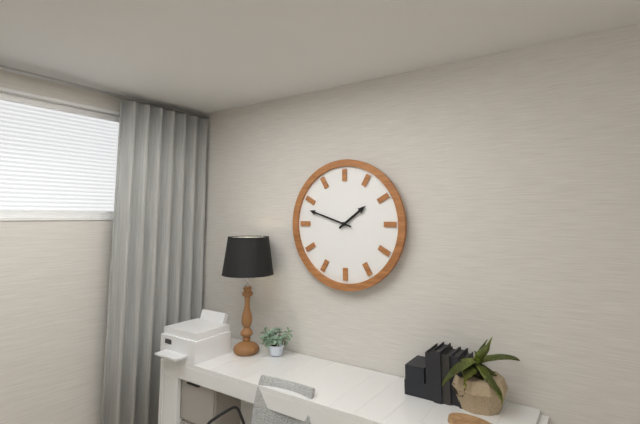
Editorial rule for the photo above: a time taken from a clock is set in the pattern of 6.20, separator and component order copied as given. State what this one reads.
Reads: 1.48
